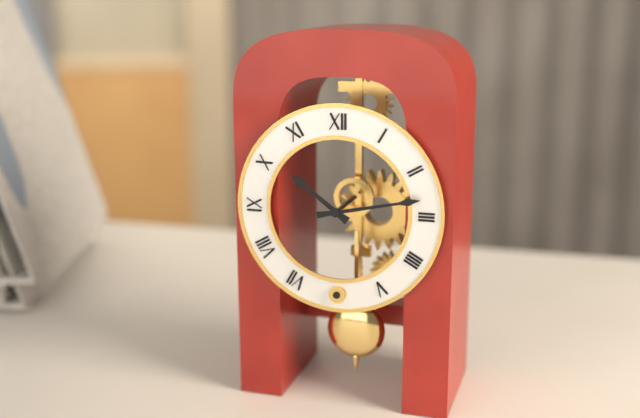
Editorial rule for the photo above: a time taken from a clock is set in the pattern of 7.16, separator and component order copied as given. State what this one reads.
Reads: 10.13
